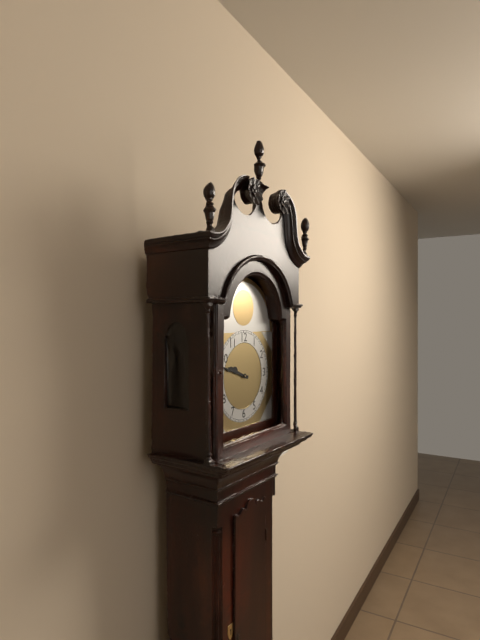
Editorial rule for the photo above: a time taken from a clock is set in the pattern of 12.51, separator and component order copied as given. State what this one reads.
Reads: 9.48
